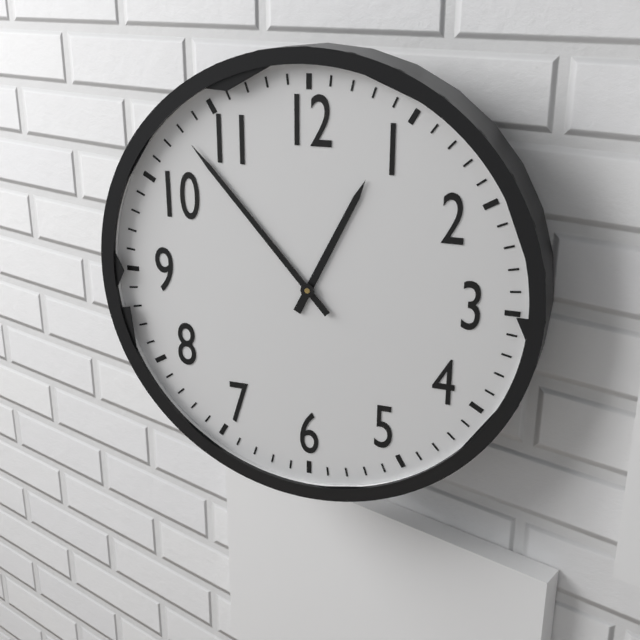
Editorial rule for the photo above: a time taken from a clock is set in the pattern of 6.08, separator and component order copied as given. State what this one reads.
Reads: 12.53
